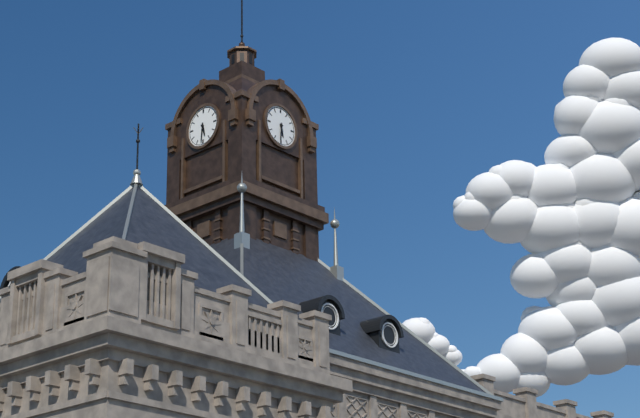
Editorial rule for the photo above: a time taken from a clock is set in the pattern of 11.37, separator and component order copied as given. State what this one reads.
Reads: 5.31
